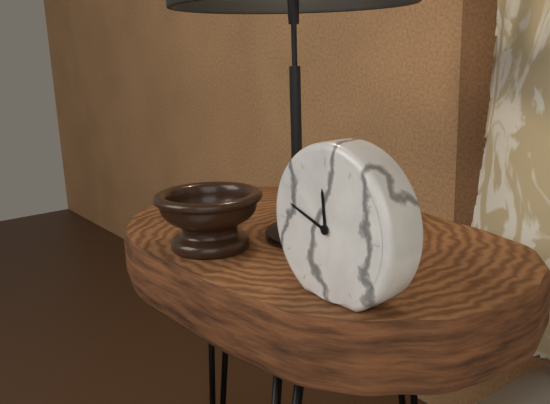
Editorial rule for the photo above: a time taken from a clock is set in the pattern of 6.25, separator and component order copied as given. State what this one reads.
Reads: 11.48
